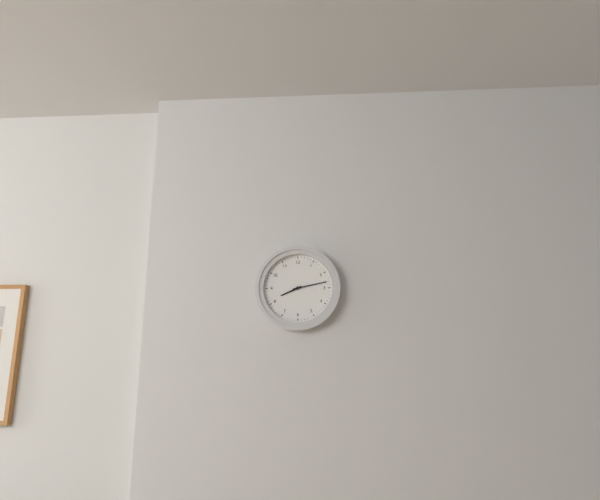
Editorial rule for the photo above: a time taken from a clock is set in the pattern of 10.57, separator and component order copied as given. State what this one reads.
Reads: 8.13
